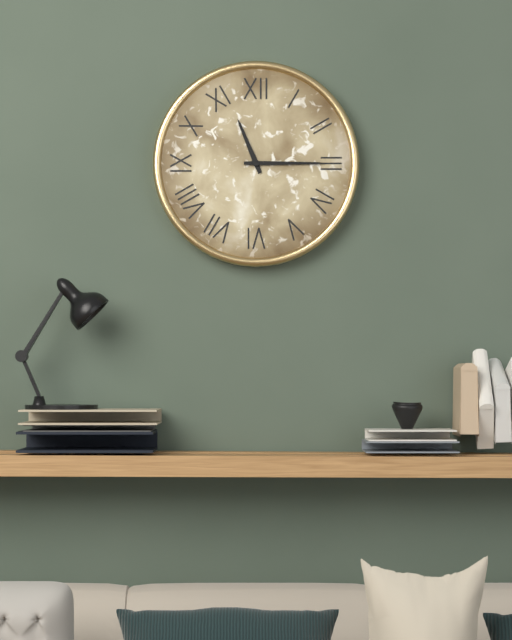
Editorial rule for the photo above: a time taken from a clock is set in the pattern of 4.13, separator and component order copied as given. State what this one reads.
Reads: 11.15
